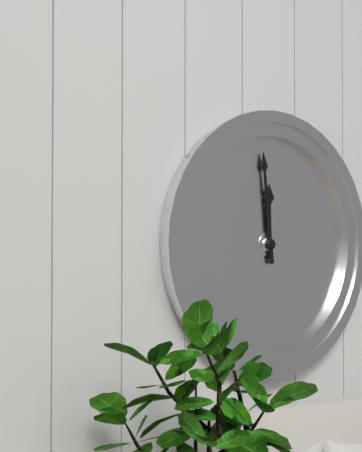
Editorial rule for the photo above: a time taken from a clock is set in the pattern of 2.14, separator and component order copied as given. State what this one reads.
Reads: 11.59
